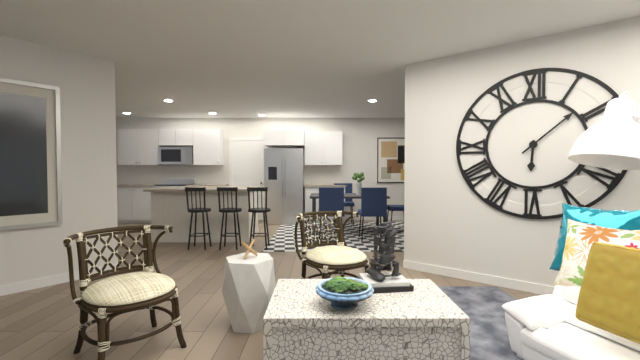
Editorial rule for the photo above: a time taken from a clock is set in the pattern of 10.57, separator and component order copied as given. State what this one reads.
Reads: 6.08
